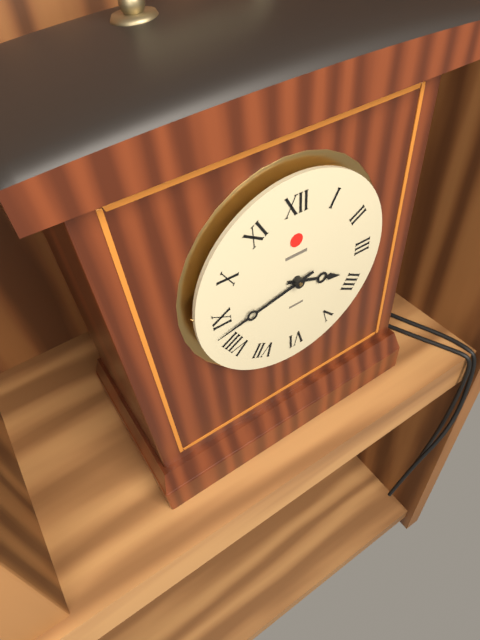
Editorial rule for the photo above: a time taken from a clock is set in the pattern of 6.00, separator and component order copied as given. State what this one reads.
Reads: 3.43
